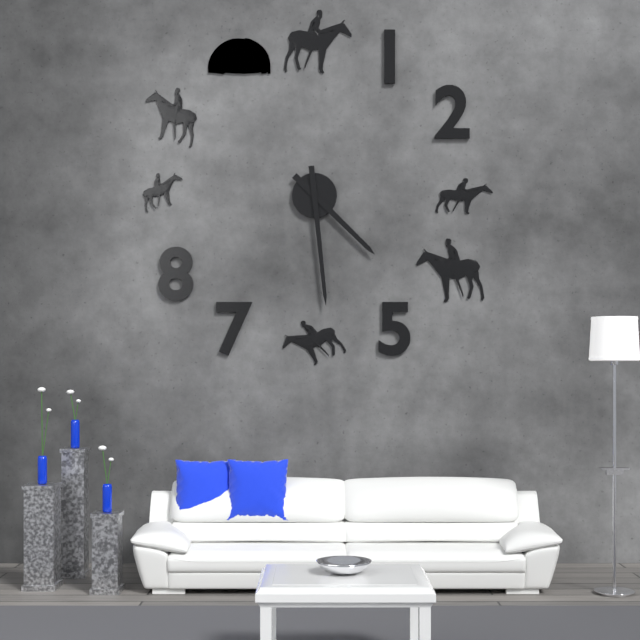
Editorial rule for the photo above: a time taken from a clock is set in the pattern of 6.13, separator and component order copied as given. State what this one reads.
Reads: 4.29
